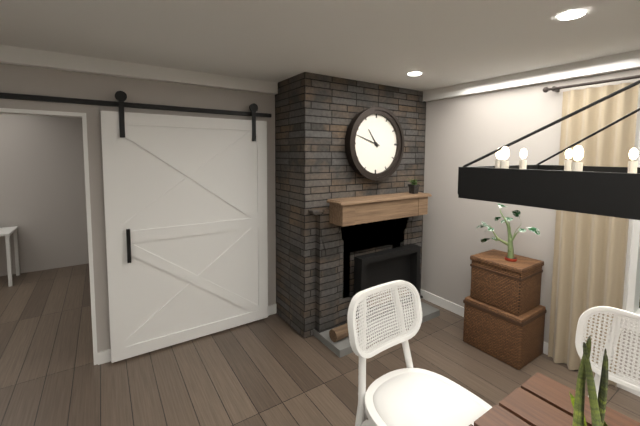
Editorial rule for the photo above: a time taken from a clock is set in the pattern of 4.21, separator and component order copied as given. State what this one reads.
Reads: 10.48
